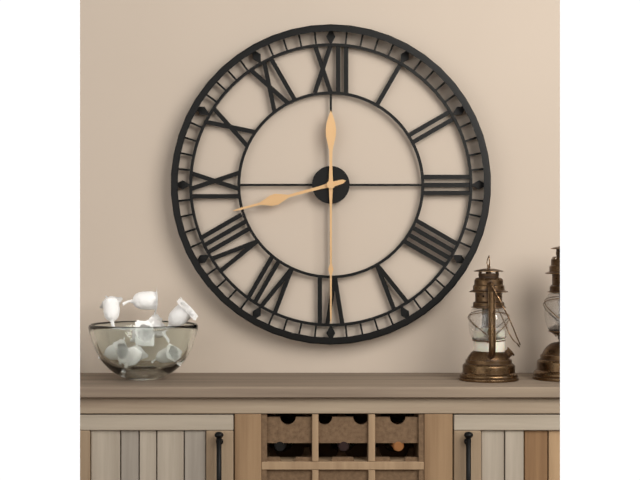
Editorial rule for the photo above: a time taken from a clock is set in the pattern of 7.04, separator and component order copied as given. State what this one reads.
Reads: 8.30
